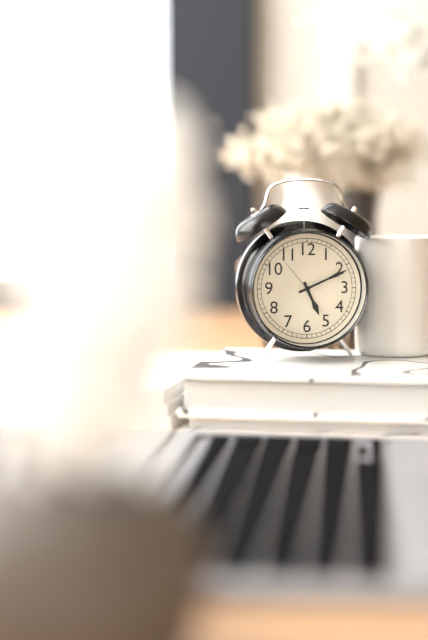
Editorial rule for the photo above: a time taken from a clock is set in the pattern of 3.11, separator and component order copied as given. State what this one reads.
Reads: 5.11
